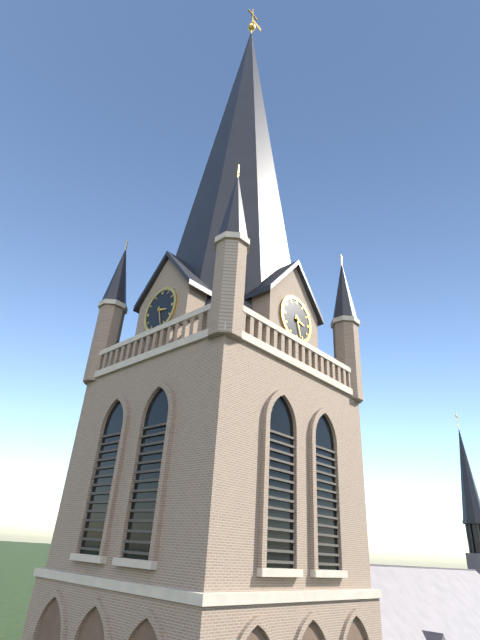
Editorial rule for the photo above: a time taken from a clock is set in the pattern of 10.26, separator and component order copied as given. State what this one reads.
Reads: 3.27
